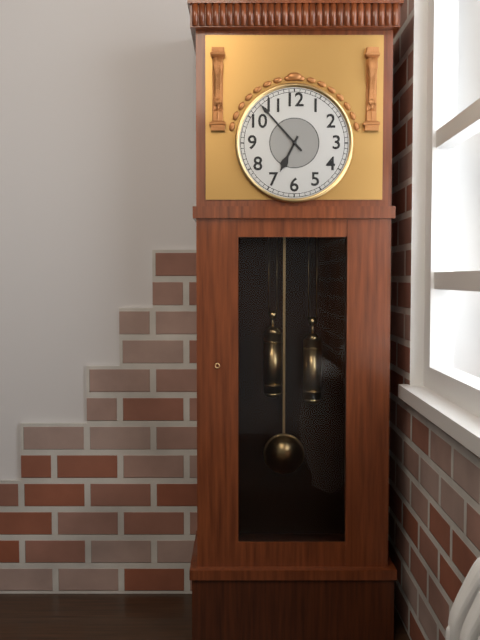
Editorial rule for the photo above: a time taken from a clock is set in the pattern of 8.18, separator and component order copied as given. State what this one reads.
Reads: 6.53
